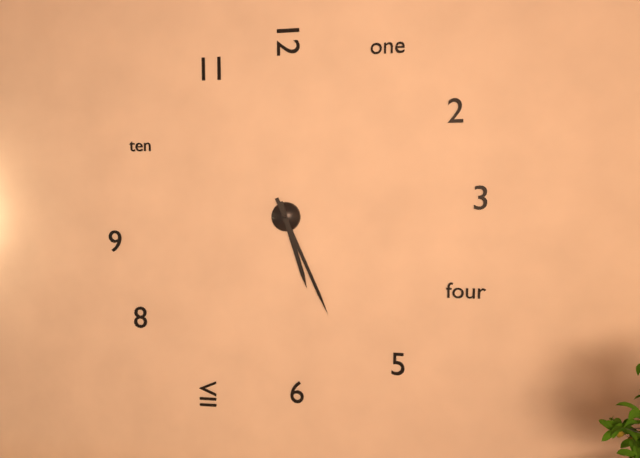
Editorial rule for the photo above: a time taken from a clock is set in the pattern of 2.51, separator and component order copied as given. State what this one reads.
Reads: 5.26
